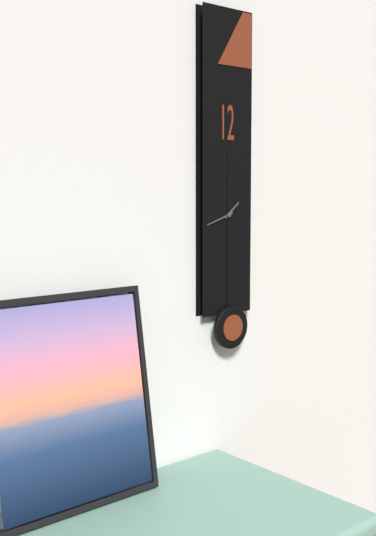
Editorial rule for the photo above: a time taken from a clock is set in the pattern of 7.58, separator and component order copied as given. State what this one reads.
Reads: 1.42
